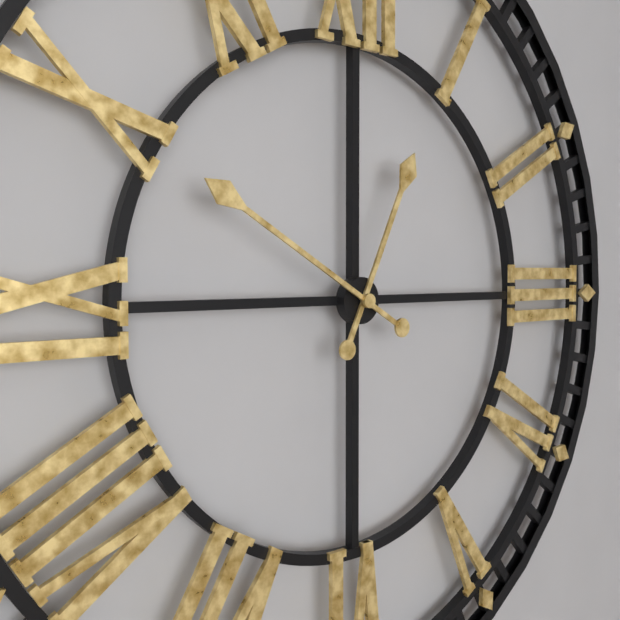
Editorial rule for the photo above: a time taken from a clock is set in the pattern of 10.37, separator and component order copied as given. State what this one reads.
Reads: 12.50
